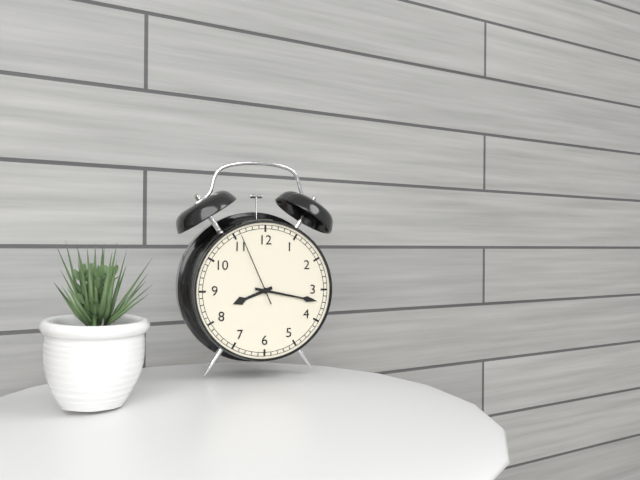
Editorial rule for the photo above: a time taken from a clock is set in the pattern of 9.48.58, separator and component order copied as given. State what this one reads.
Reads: 8.17.56
